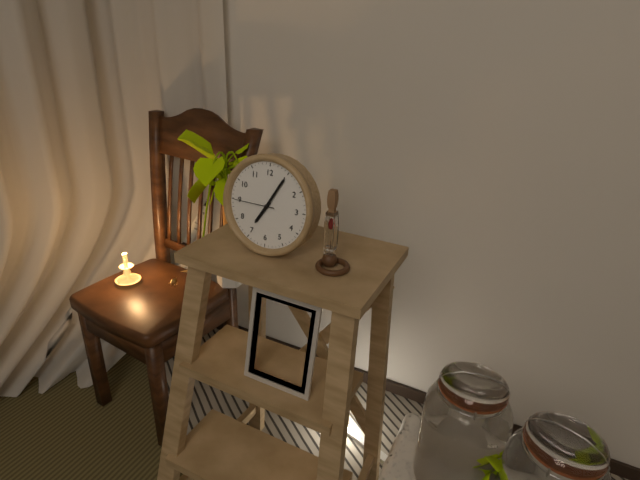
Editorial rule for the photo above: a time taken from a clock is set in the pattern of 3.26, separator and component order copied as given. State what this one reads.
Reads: 7.05
